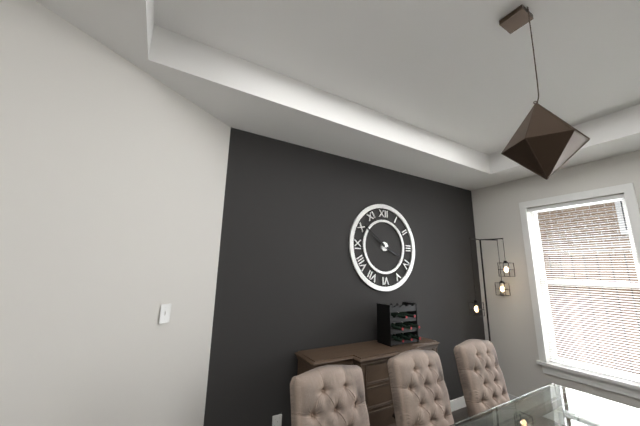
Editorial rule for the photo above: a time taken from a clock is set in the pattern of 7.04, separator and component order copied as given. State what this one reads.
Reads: 3.51
